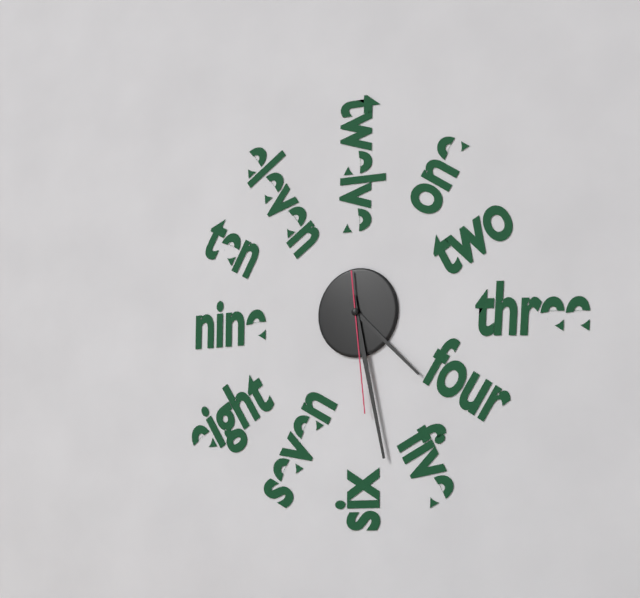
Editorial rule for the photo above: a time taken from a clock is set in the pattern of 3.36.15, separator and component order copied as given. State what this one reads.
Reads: 4.28.29
